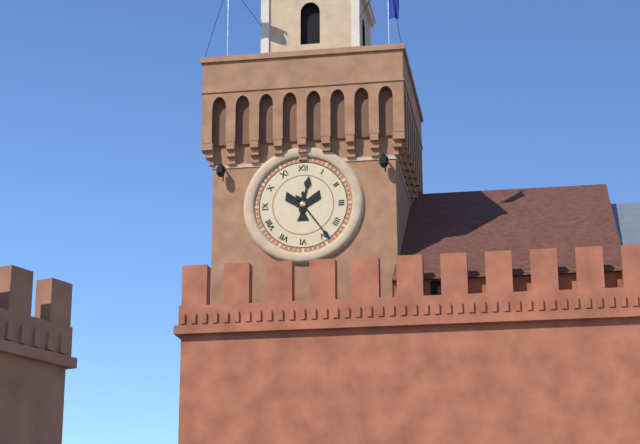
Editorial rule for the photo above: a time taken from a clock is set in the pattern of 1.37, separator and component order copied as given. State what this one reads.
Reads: 12.24
